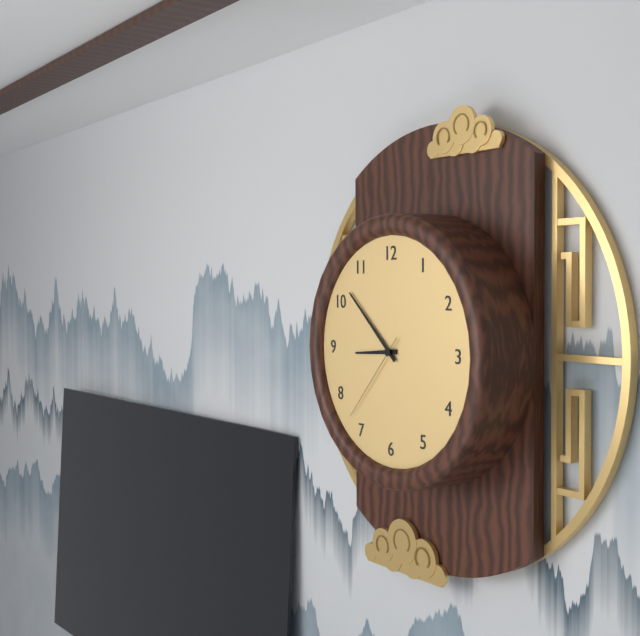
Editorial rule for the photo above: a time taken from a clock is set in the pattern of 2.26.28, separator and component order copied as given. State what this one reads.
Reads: 8.52.37
